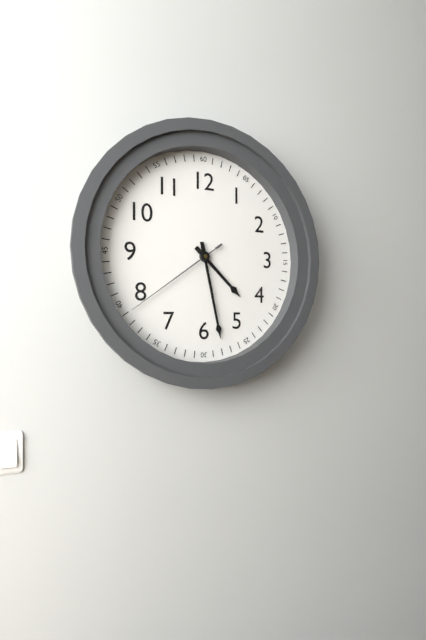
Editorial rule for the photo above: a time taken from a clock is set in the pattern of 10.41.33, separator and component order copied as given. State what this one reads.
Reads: 4.28.39
